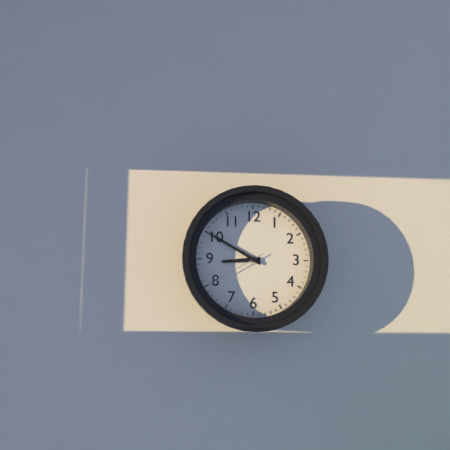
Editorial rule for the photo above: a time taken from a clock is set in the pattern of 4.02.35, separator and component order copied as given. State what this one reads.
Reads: 8.50.40
